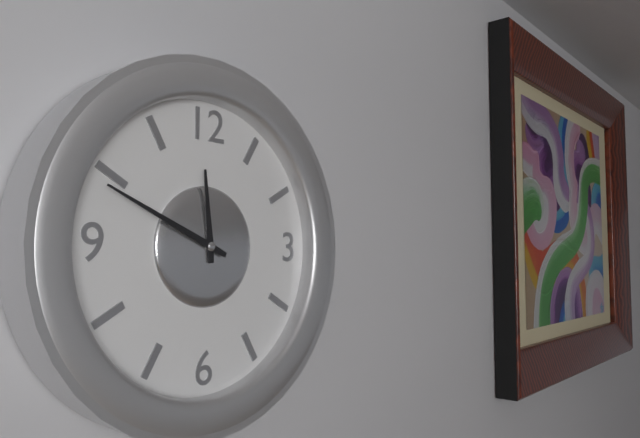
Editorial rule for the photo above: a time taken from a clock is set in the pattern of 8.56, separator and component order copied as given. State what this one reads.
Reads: 11.49
